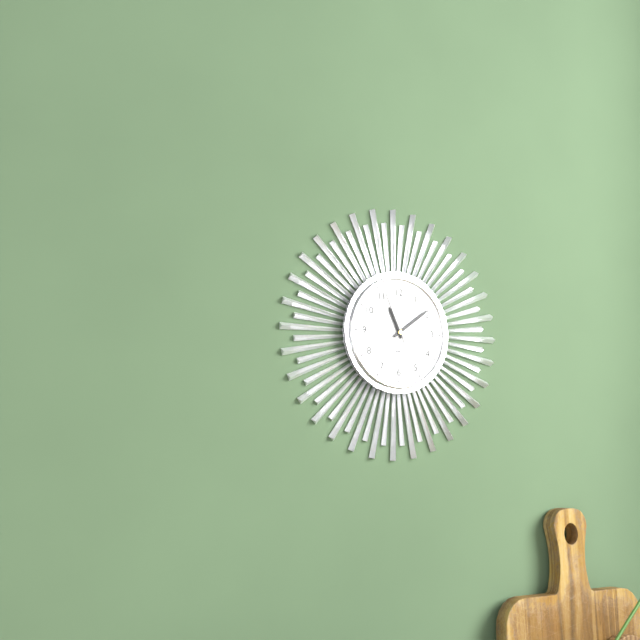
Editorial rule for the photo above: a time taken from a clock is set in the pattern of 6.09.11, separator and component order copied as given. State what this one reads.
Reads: 11.09.56
